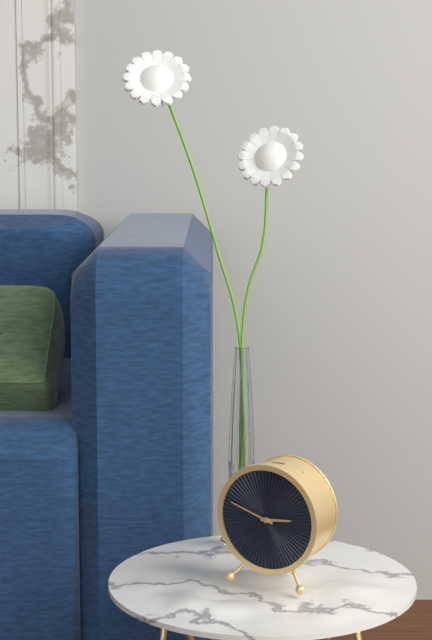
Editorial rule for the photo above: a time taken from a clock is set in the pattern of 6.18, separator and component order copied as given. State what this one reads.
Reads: 2.48
